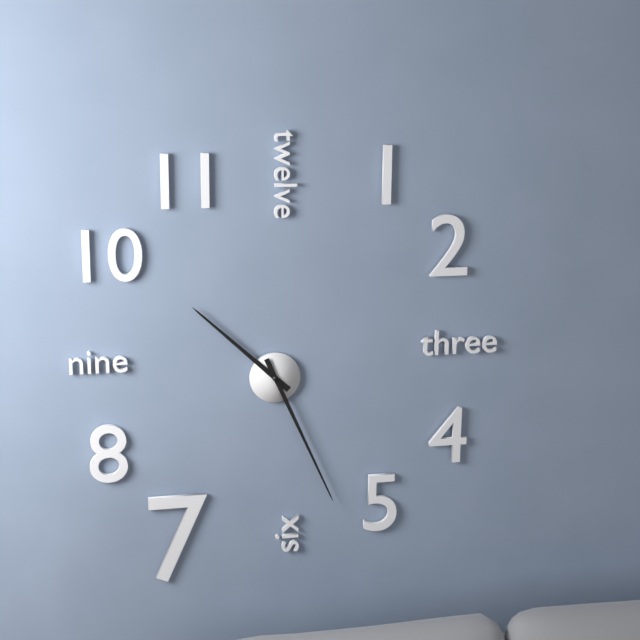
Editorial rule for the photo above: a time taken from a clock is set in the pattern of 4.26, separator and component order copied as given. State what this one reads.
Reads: 10.26
